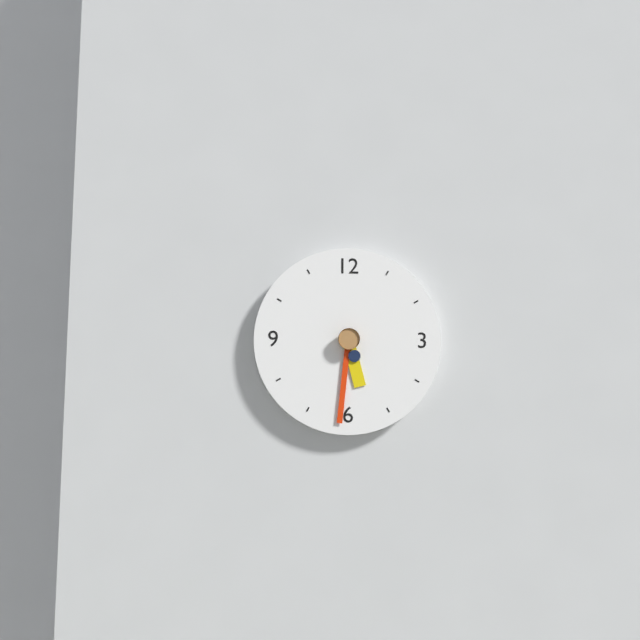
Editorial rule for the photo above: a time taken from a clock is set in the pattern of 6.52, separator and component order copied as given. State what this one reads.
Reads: 5.31
